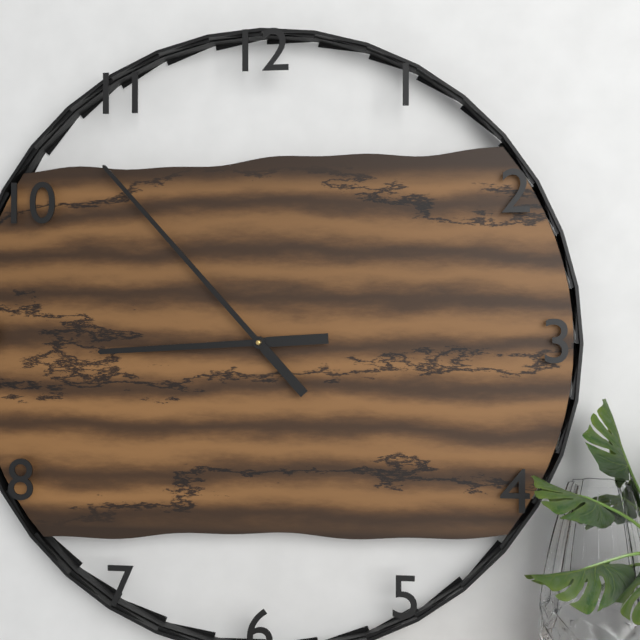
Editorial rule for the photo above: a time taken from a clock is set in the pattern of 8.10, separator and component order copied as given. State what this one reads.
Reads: 8.53
